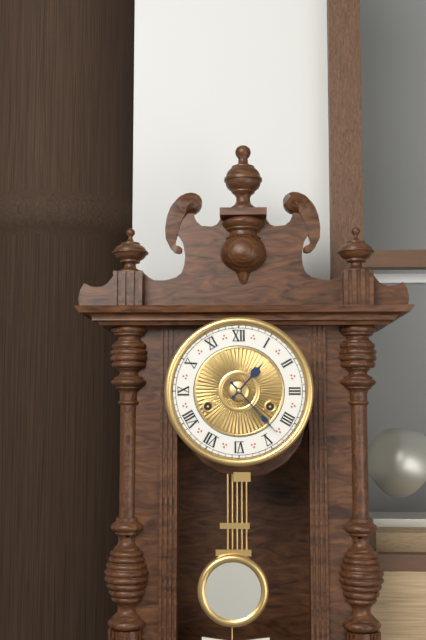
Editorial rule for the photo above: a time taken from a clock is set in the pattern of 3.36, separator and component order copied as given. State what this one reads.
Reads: 1.23
